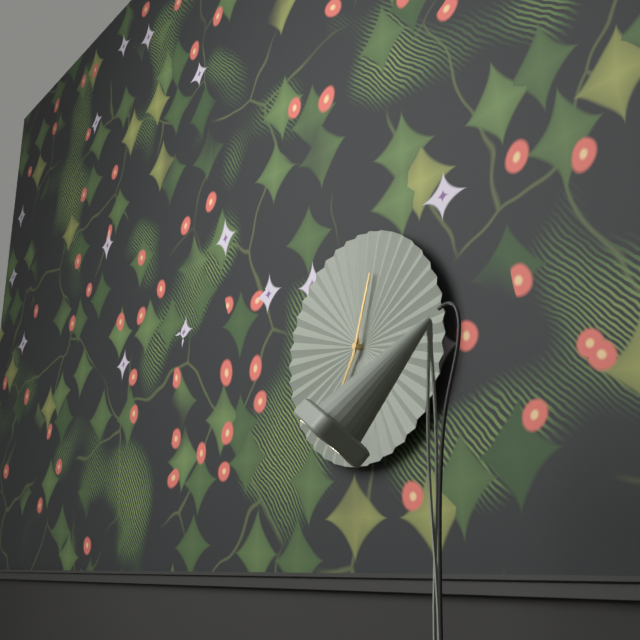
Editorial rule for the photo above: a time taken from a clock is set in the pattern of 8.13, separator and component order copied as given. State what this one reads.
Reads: 7.03
